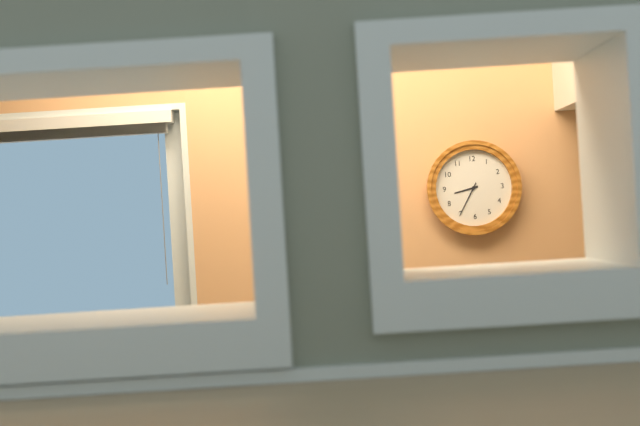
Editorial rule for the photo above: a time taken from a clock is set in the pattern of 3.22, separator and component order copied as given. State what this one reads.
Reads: 8.35
